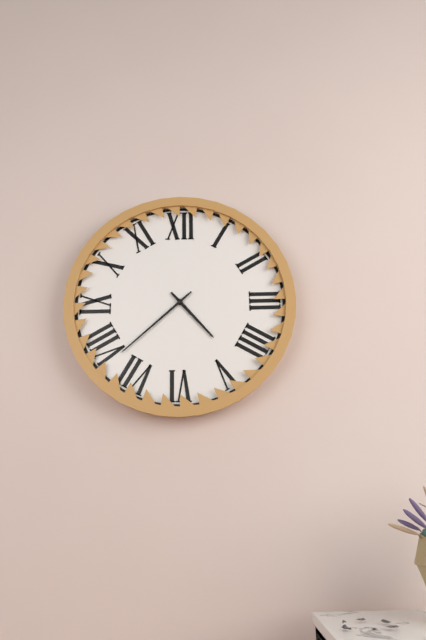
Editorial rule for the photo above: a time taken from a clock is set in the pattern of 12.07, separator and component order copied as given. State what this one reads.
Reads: 4.38
